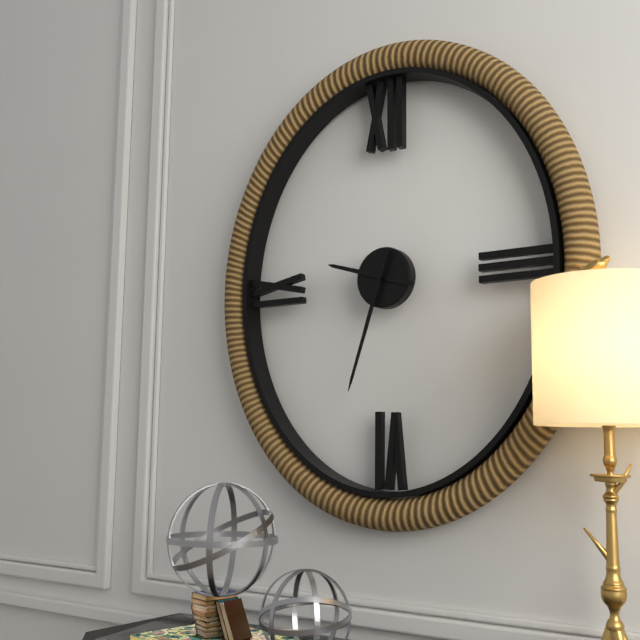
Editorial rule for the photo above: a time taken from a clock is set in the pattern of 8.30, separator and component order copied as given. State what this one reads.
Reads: 9.33
